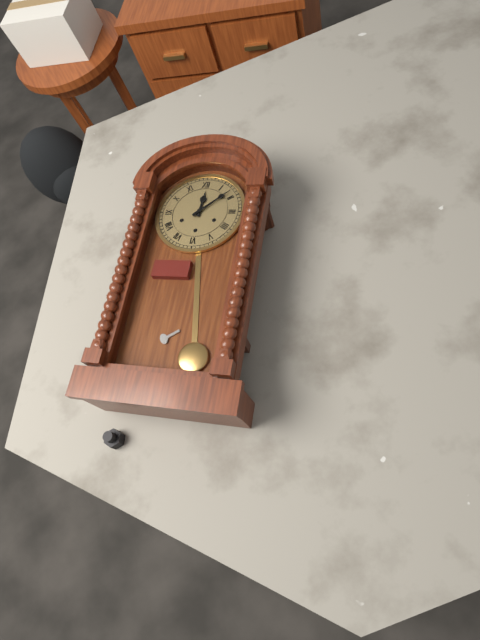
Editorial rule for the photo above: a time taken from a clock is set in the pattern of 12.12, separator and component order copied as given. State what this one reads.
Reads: 12.08
